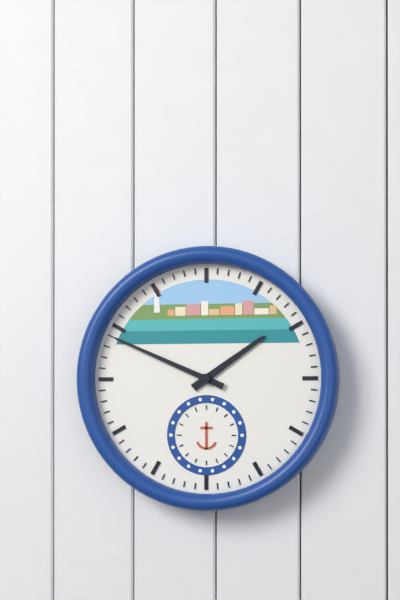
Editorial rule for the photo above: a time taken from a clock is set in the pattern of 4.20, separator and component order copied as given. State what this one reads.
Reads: 1.49
